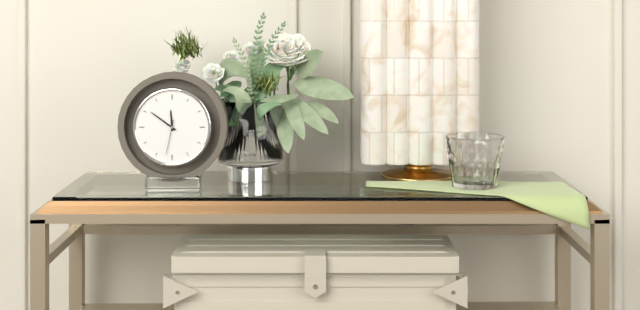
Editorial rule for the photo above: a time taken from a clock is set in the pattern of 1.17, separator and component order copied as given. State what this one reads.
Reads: 11.51
